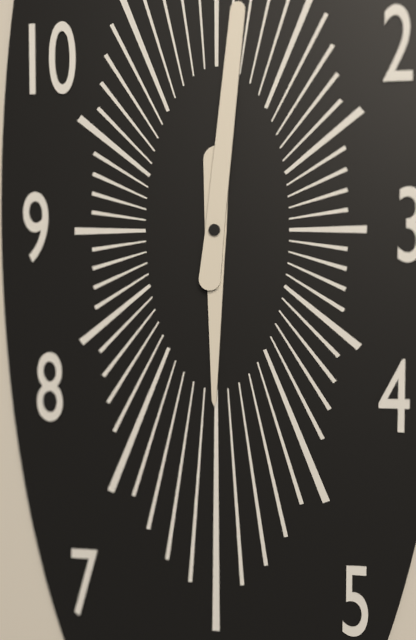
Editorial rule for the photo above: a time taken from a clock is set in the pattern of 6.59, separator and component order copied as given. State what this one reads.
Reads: 6.01
